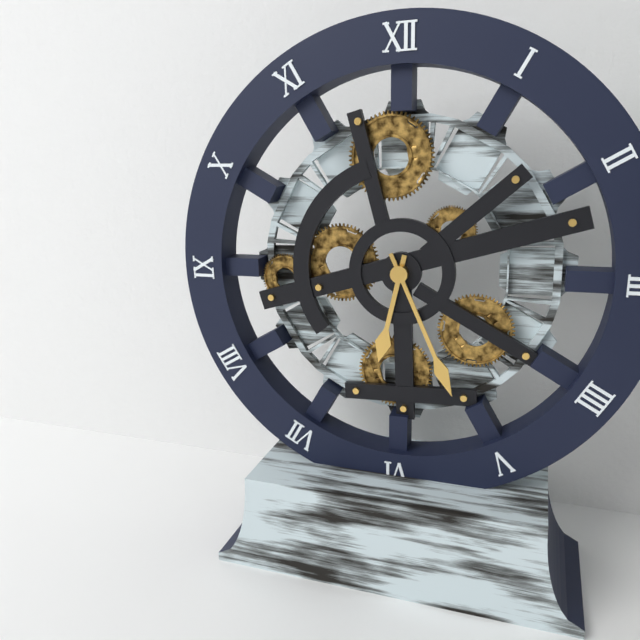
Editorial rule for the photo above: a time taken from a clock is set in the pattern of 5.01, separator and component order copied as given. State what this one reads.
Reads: 6.26
